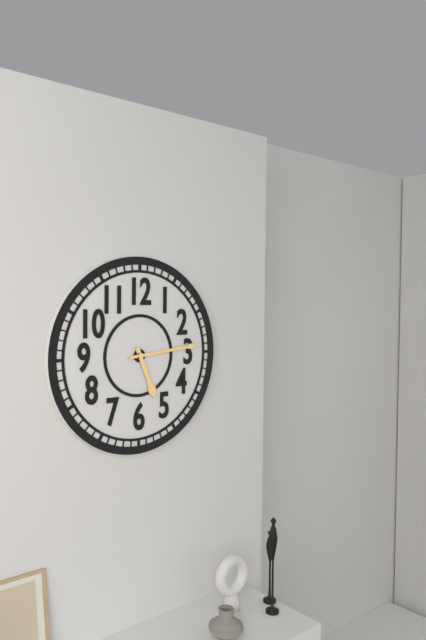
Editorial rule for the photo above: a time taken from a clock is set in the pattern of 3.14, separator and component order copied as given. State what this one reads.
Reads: 5.14
